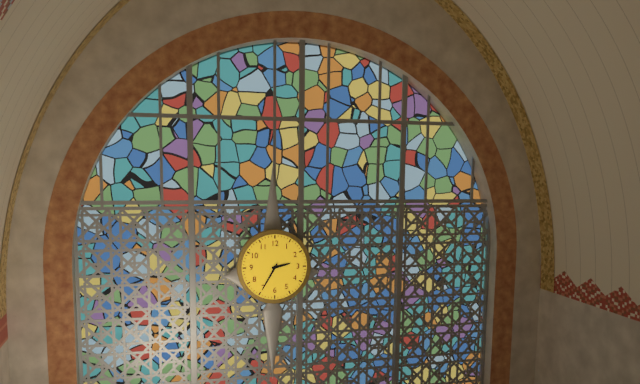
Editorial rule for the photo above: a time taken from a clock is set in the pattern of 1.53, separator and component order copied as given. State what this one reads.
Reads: 2.35
